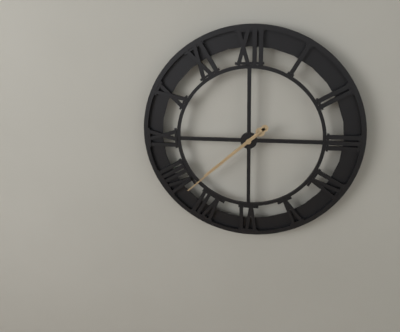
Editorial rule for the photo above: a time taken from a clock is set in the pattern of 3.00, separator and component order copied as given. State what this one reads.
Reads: 7.38
